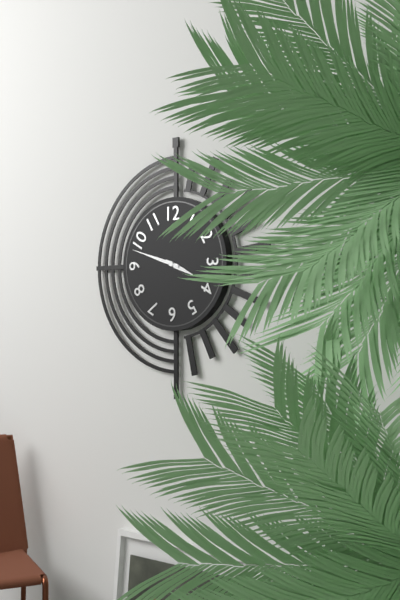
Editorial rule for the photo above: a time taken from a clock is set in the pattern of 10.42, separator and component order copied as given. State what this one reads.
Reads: 3.48
